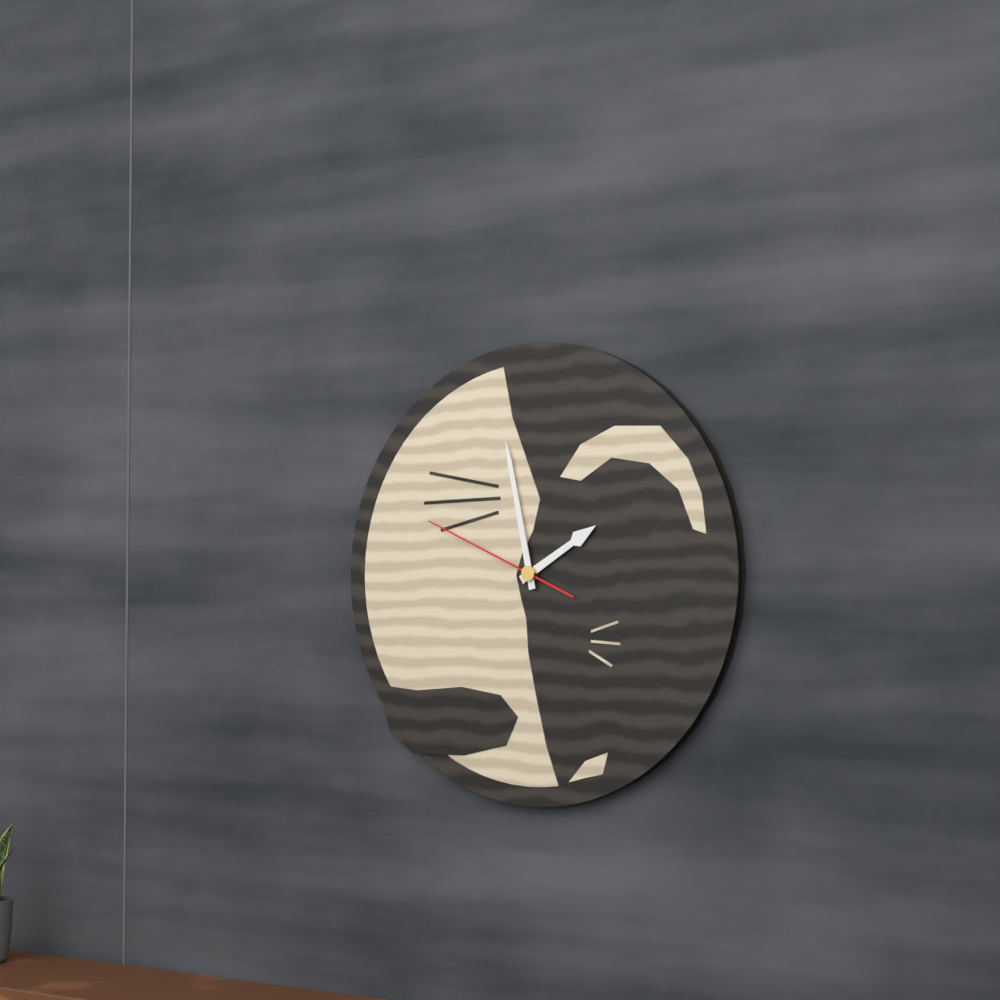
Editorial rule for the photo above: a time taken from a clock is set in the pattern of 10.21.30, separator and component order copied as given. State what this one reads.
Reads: 1.58.49
